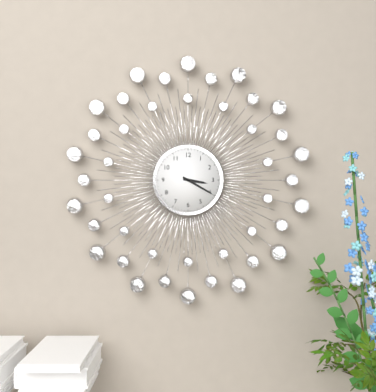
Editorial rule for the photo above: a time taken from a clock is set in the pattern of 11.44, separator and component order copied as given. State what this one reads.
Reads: 3.20
